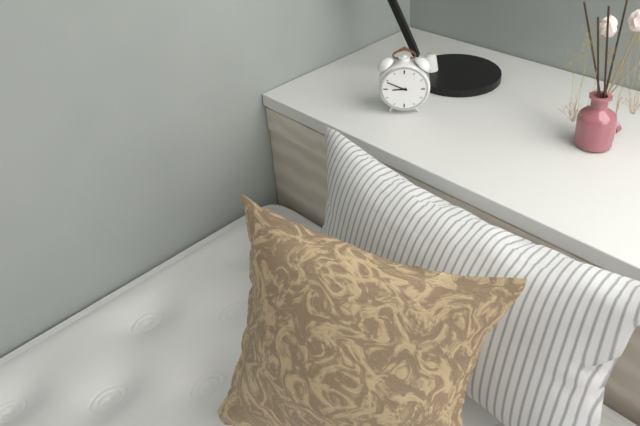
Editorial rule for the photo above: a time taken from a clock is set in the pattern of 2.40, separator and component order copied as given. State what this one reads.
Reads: 8.49
